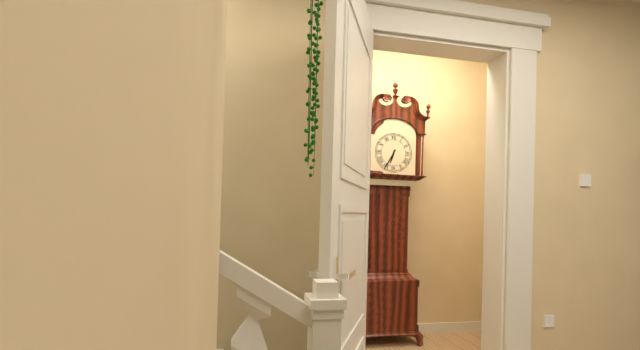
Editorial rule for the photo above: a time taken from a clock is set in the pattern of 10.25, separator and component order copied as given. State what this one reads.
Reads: 6.35
